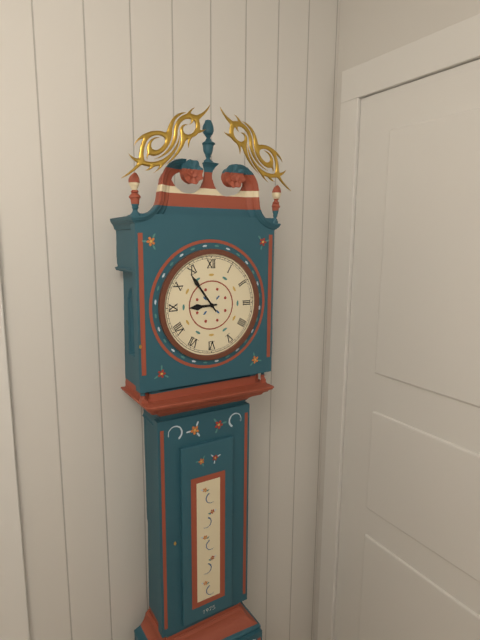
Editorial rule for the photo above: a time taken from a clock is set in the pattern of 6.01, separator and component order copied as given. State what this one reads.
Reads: 8.54
